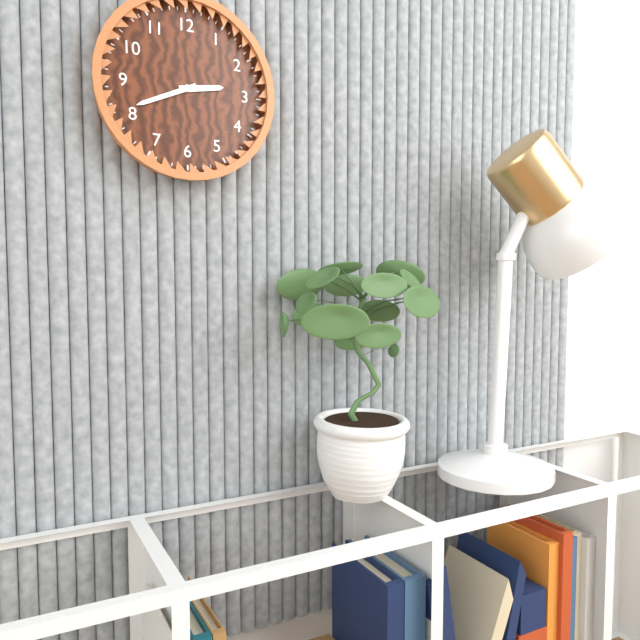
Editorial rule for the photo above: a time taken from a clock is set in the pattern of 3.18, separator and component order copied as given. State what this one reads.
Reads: 2.41
